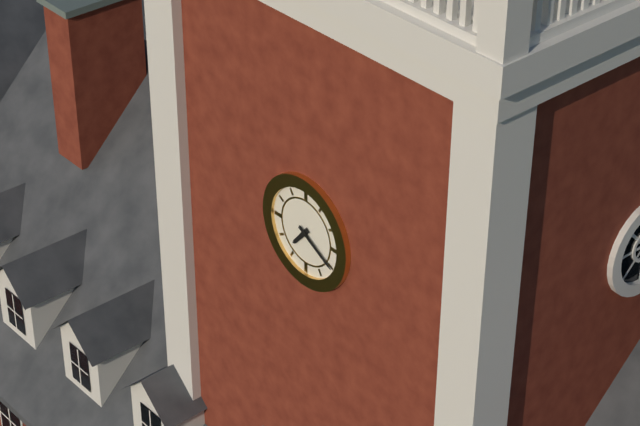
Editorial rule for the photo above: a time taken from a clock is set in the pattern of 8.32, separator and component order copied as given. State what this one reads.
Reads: 7.20
